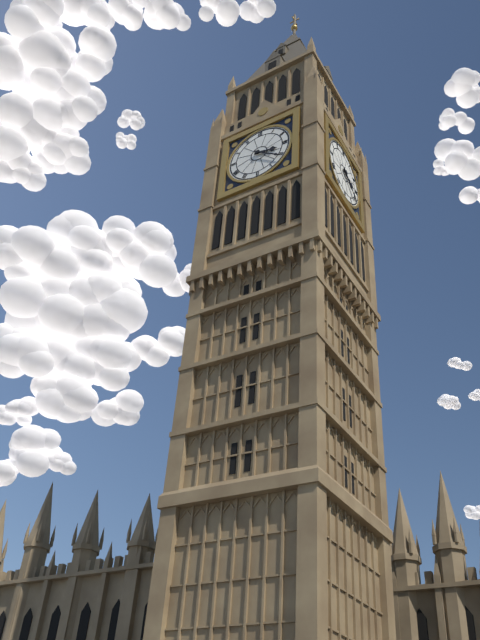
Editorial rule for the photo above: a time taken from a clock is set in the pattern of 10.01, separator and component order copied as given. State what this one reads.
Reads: 3.21
